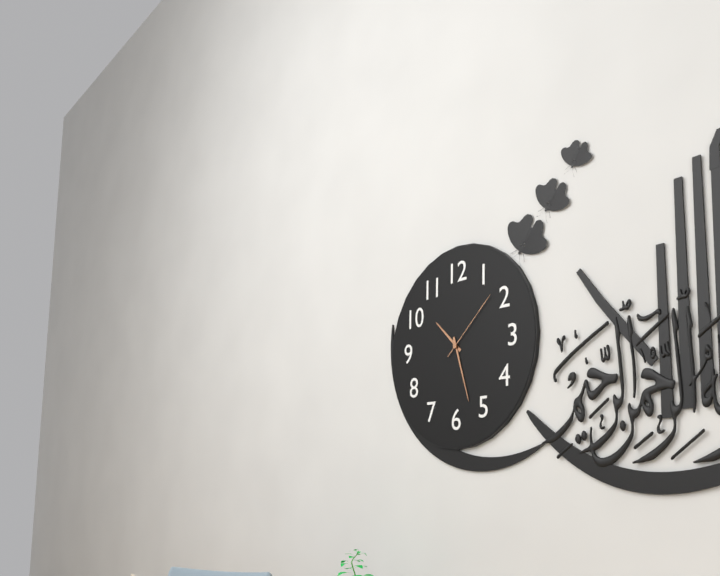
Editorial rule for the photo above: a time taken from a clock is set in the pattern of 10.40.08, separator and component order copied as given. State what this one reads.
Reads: 10.27.08
